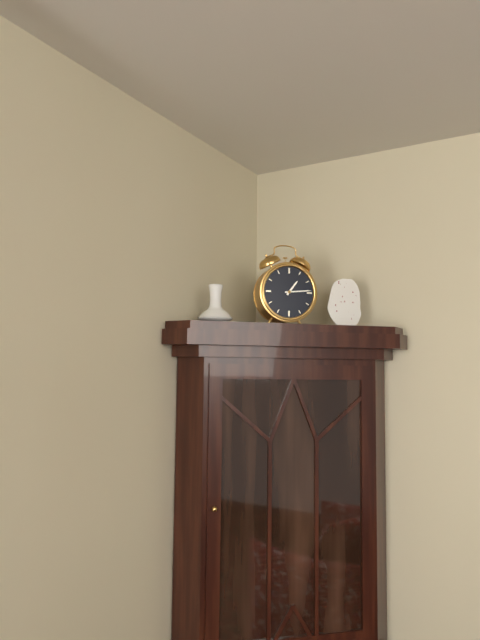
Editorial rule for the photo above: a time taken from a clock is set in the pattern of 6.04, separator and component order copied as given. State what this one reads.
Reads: 1.14
